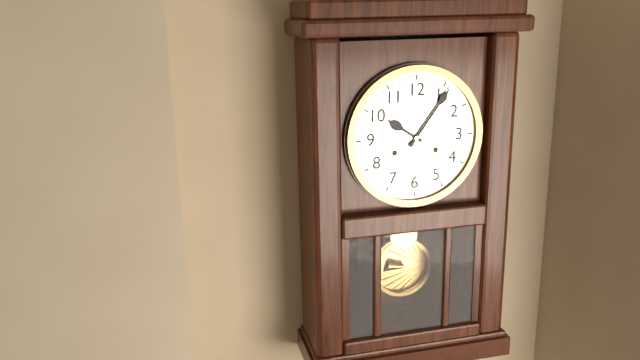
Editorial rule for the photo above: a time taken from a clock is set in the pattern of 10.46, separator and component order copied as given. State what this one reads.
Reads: 10.06
